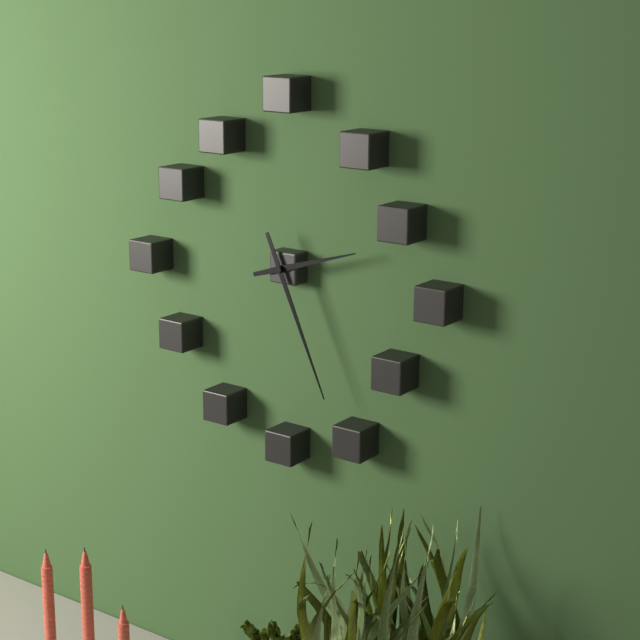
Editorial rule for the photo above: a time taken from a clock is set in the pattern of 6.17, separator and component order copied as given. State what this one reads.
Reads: 2.26
